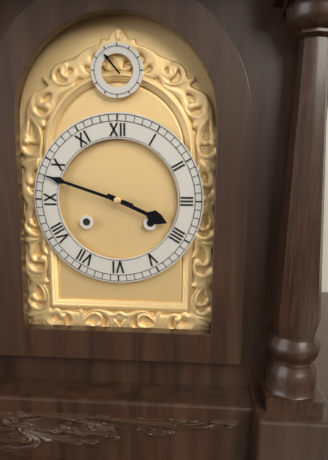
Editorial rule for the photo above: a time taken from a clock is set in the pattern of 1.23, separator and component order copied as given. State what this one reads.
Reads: 3.48
